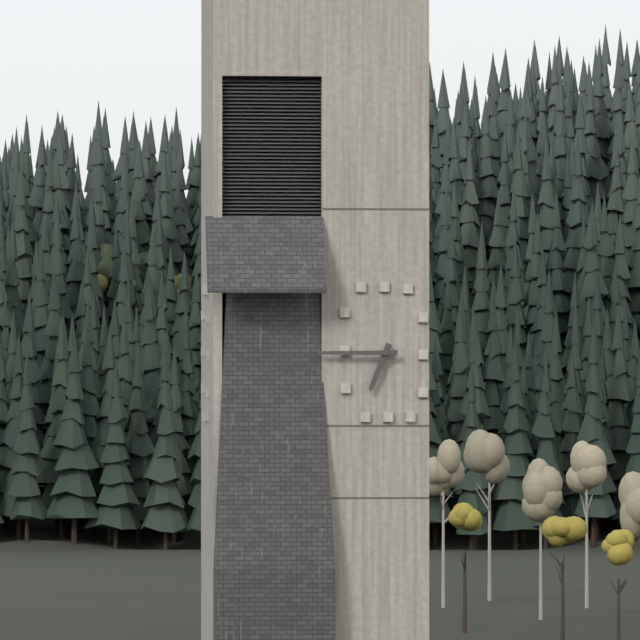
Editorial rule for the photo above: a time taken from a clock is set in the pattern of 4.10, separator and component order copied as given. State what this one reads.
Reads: 6.45
